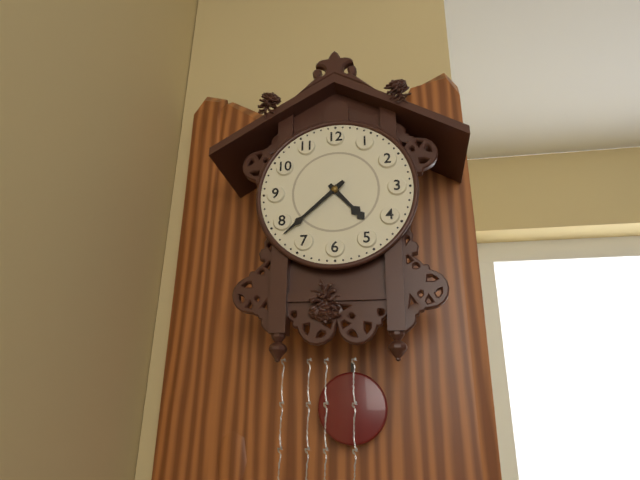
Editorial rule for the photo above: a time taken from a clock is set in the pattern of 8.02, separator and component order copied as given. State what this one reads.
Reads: 4.38
